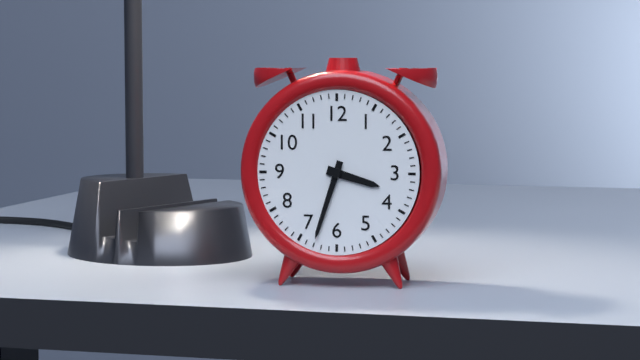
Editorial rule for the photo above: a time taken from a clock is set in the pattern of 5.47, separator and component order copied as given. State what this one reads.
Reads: 3.33
